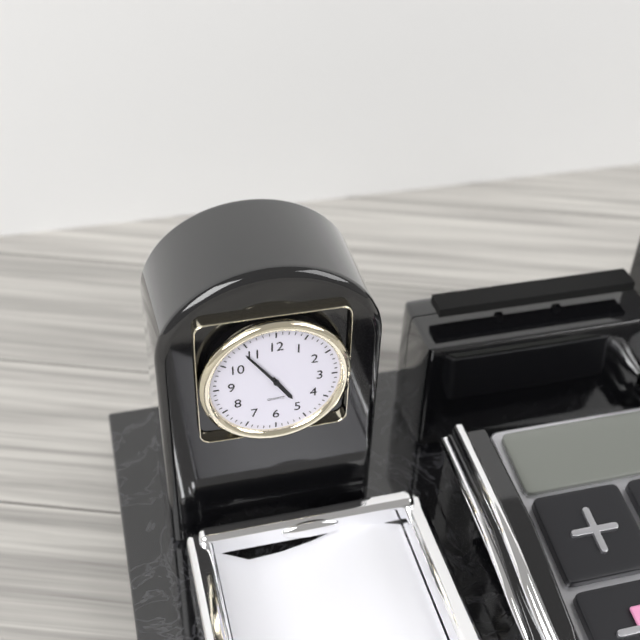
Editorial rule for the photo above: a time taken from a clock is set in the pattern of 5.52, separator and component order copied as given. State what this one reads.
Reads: 4.54
